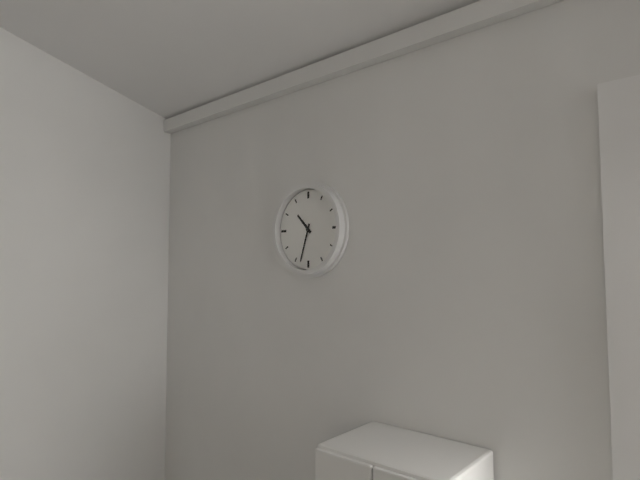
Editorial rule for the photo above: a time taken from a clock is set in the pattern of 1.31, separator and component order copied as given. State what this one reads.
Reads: 10.33
